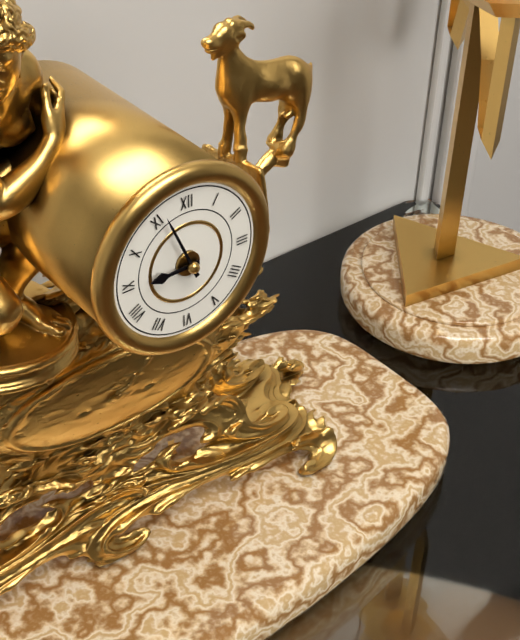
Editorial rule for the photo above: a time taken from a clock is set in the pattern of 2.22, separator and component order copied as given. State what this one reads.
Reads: 8.56
